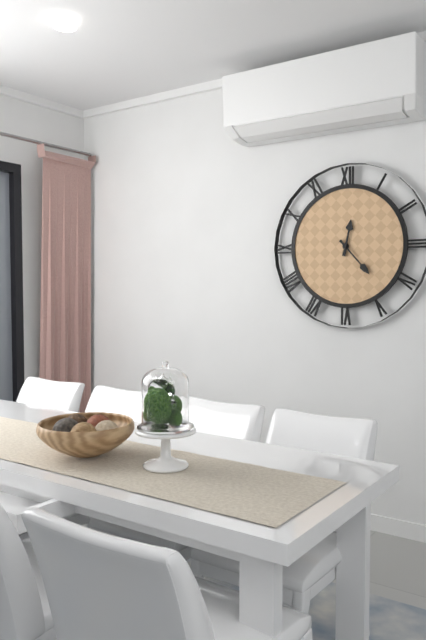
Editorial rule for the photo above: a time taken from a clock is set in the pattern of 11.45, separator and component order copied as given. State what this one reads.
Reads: 12.23
